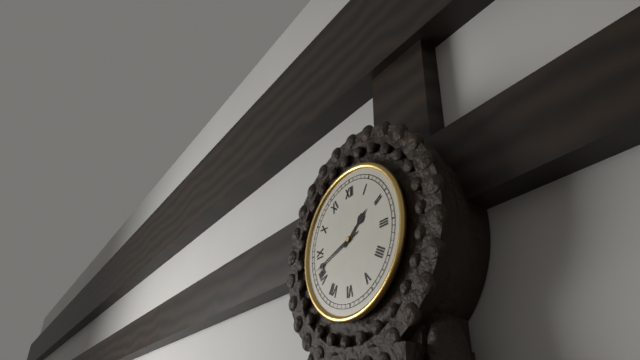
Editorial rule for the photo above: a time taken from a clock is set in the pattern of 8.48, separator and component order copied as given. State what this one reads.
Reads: 1.42
